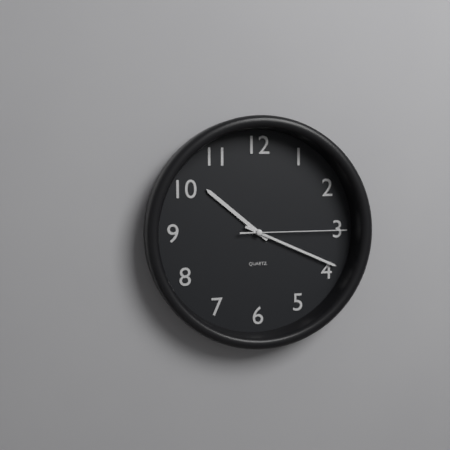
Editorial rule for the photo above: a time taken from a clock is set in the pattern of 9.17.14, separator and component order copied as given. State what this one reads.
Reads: 10.19.15
